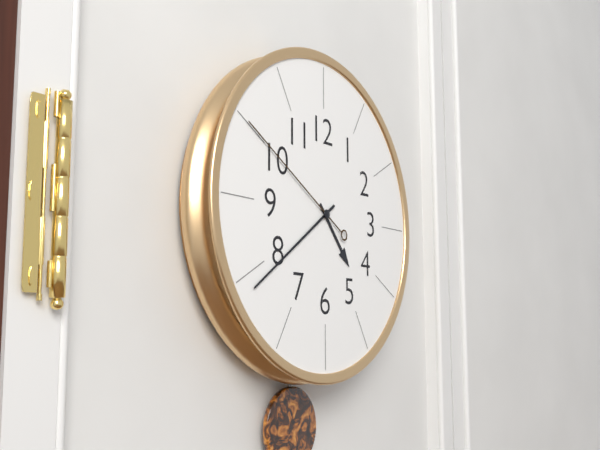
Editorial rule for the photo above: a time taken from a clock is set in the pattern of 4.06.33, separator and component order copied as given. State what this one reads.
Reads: 4.39.50
